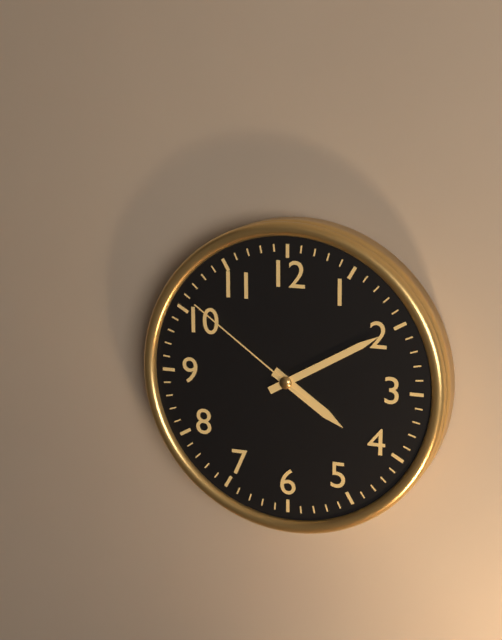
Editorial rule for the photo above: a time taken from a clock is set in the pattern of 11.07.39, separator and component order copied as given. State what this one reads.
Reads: 4.10.51
